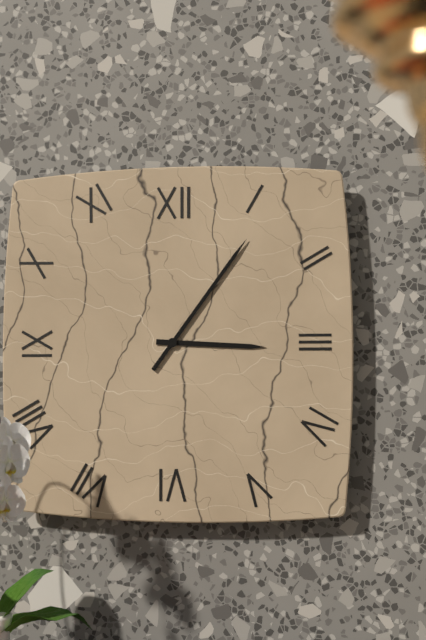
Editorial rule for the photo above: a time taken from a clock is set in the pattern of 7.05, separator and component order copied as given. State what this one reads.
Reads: 3.06
